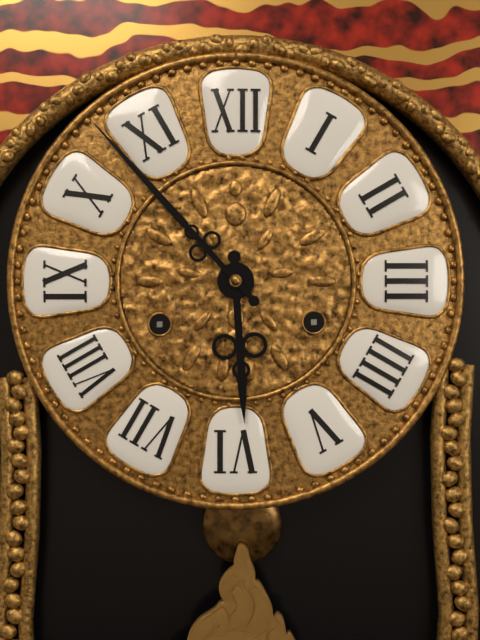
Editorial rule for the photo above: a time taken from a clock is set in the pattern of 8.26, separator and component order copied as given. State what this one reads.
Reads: 5.53
